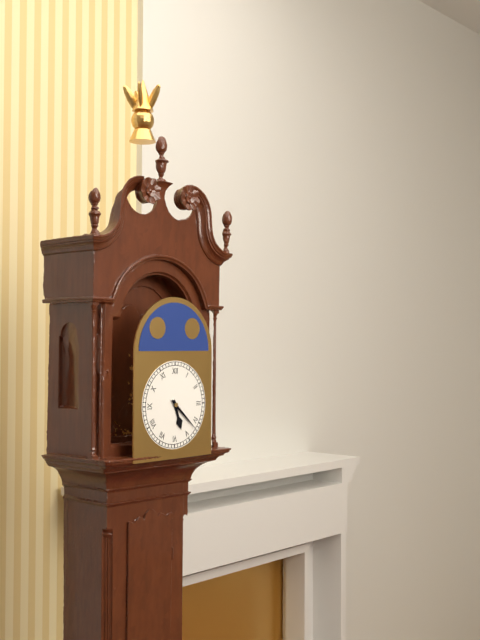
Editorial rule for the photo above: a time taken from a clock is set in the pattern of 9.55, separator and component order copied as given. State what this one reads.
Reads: 5.22
